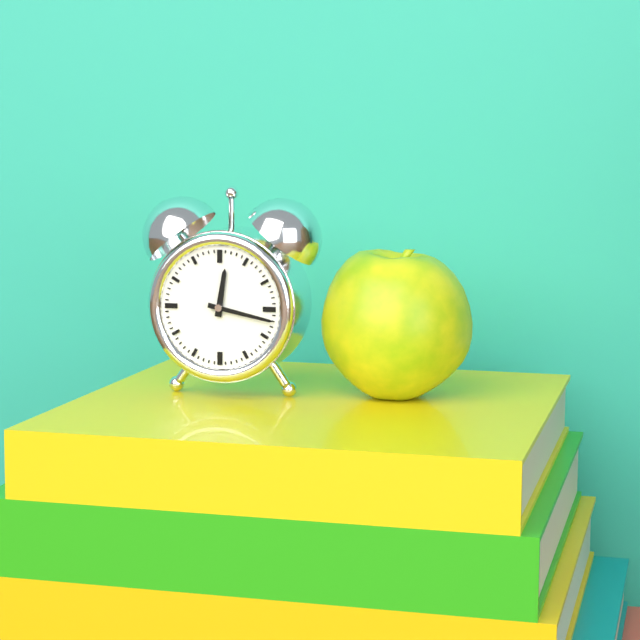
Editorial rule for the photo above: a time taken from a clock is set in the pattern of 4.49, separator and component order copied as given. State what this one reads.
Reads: 12.17
